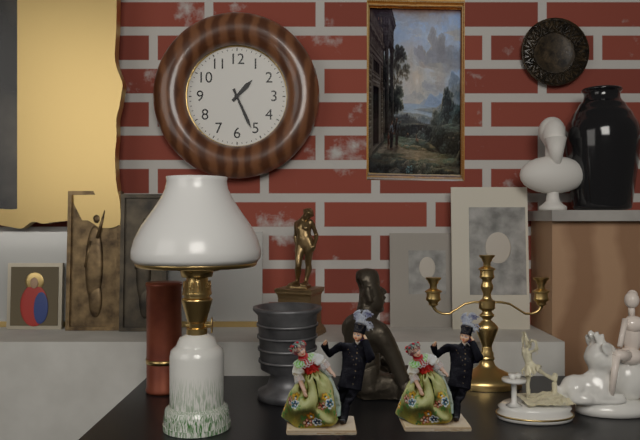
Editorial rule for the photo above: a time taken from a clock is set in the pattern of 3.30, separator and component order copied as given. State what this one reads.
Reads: 1.26
